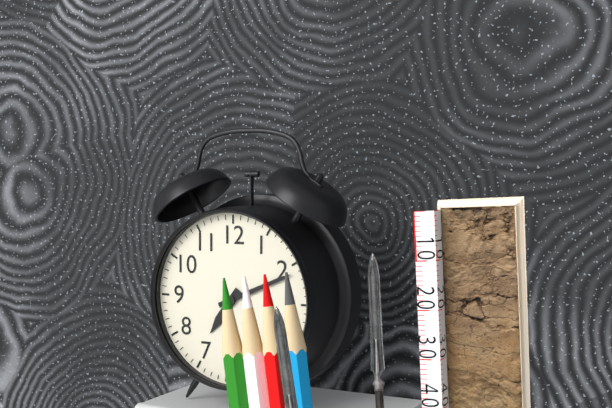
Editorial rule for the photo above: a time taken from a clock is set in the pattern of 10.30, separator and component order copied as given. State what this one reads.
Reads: 7.11
